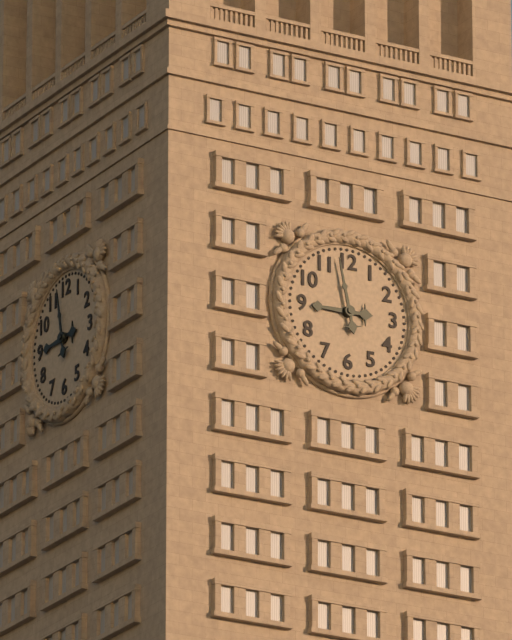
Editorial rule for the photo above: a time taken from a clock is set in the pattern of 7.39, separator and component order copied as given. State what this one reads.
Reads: 8.58
